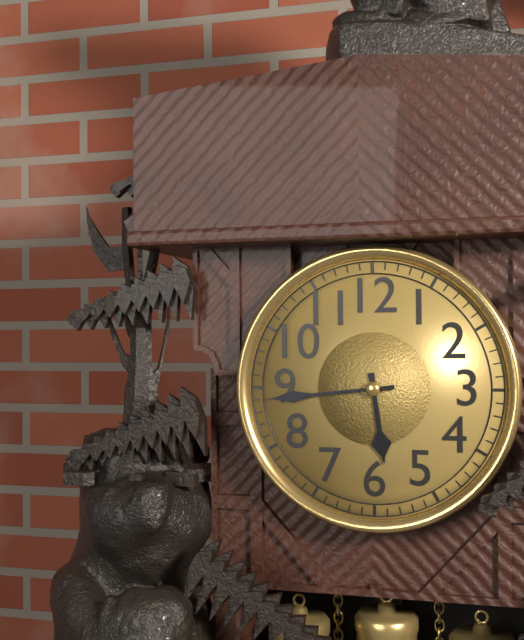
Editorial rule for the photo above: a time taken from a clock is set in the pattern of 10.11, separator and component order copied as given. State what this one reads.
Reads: 5.44
